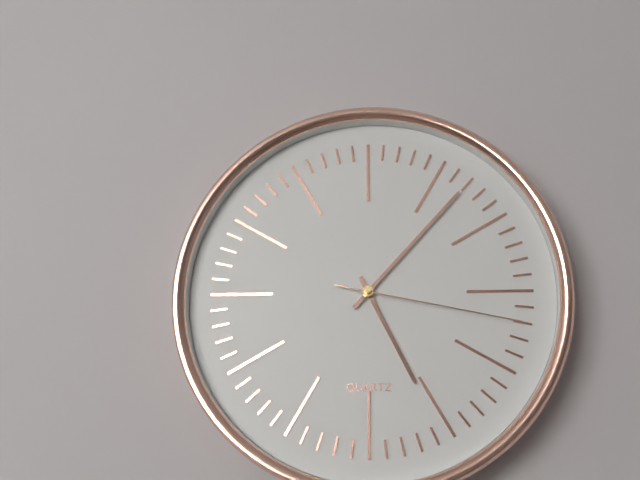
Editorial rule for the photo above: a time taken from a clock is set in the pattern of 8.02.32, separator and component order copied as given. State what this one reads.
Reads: 5.07.17
